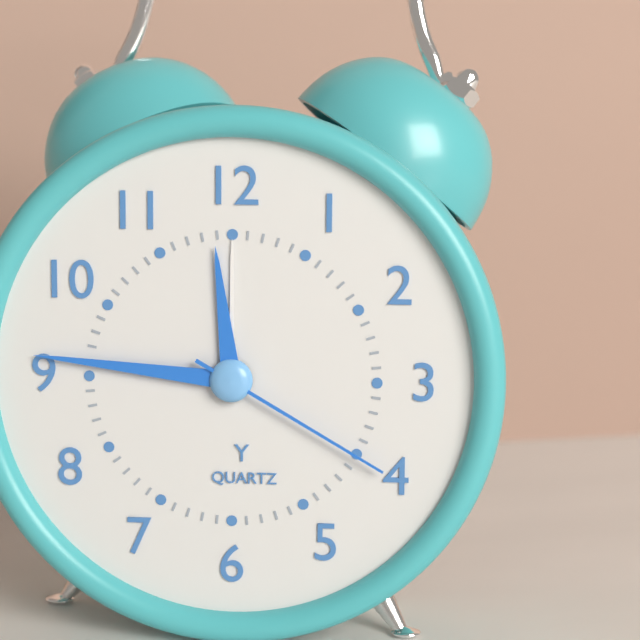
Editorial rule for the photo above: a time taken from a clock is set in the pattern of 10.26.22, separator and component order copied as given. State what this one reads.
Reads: 11.46.20
